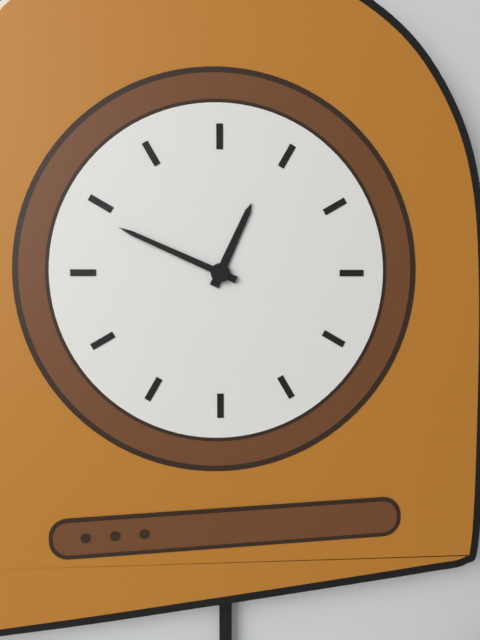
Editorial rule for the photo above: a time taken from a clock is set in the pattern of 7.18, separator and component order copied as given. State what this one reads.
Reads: 12.49
